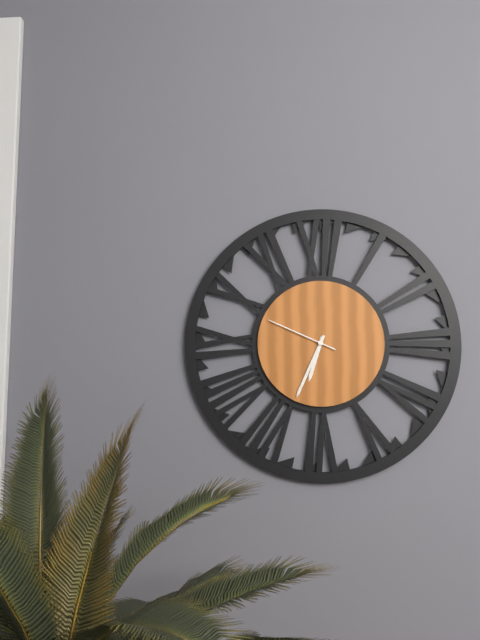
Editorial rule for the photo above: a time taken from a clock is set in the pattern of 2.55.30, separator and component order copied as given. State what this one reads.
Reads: 6.34.49
